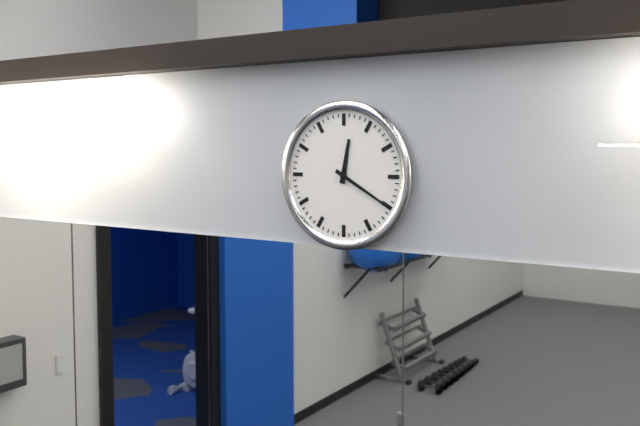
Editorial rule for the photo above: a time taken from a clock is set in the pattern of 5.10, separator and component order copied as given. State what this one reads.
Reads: 12.20
